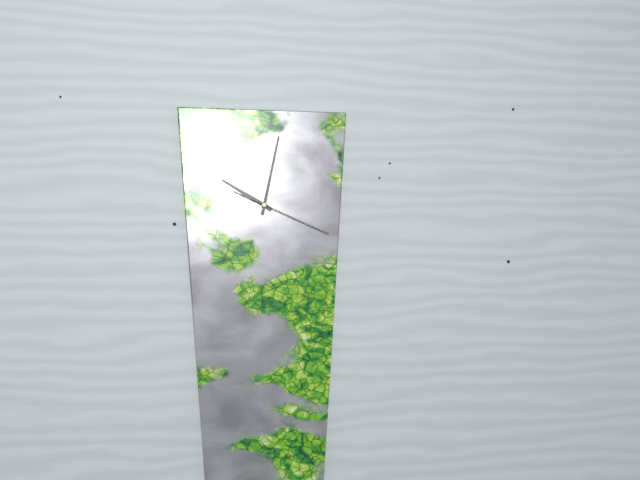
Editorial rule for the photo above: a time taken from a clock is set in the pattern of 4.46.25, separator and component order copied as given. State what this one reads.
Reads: 10.02.19
